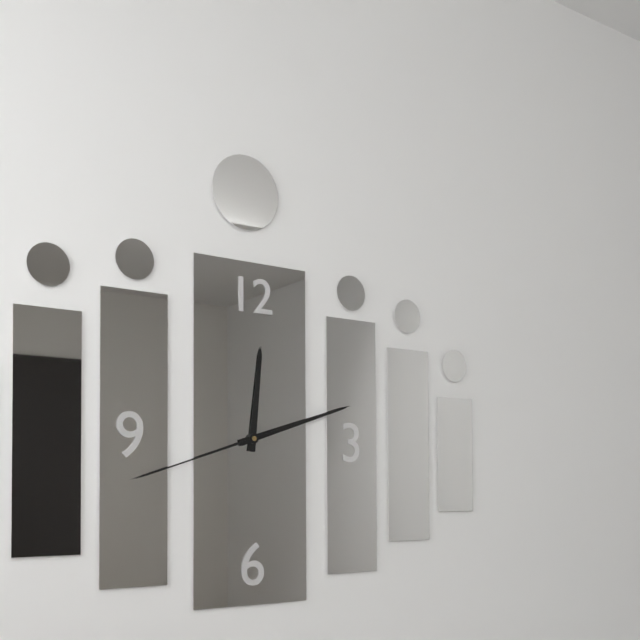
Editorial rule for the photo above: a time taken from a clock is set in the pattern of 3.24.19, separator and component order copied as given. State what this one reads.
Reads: 12.12.42
